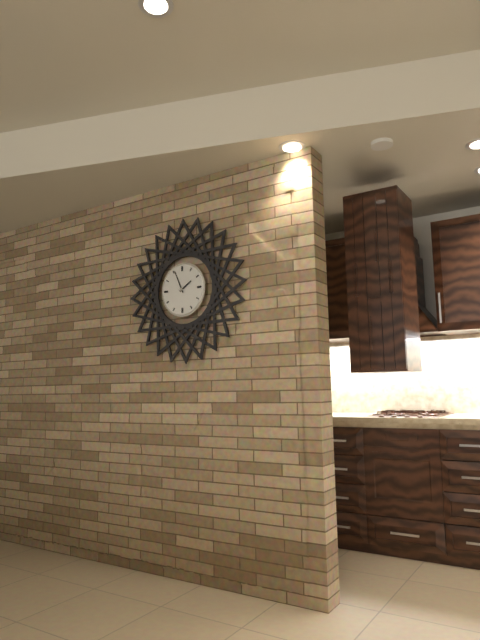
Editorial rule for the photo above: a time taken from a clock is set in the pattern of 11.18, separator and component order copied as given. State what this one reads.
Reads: 1.56
